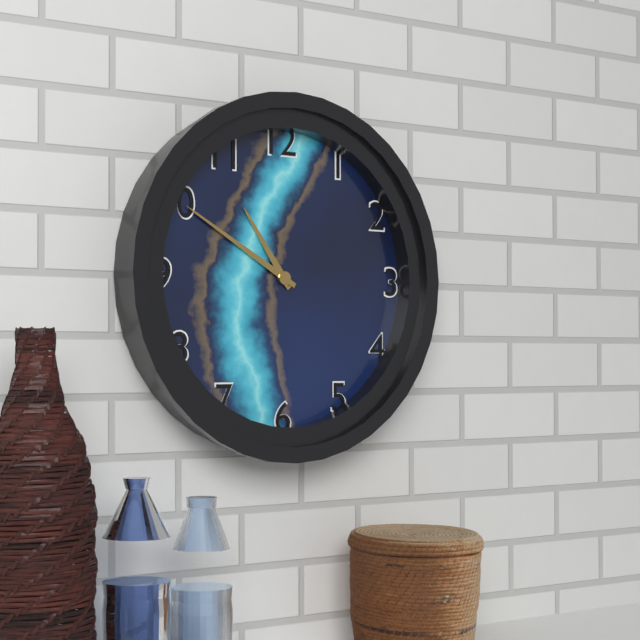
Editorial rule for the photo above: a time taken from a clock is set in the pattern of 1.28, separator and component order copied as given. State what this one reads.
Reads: 10.50
